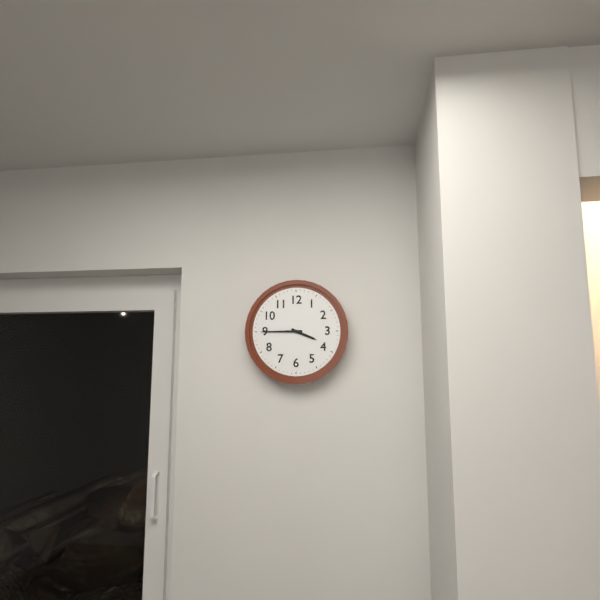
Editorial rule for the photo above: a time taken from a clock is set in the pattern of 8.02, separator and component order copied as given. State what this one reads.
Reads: 3.45
